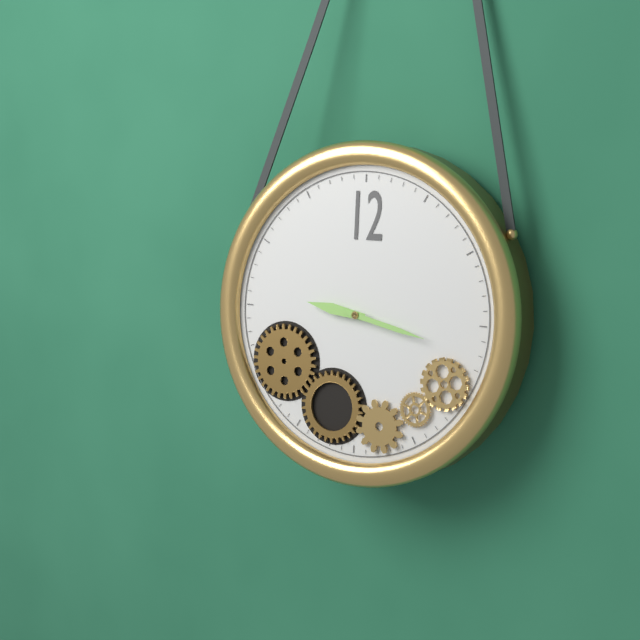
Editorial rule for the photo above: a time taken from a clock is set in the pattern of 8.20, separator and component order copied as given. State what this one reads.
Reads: 9.17
